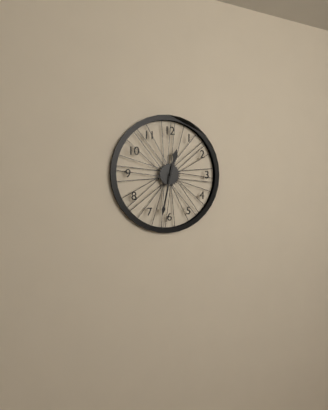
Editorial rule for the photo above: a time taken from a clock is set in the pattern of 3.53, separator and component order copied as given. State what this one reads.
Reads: 12.32
